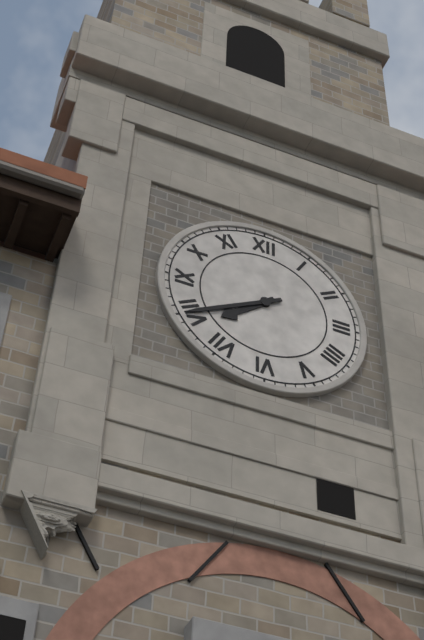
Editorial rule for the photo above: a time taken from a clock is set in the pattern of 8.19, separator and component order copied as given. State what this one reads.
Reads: 7.40
